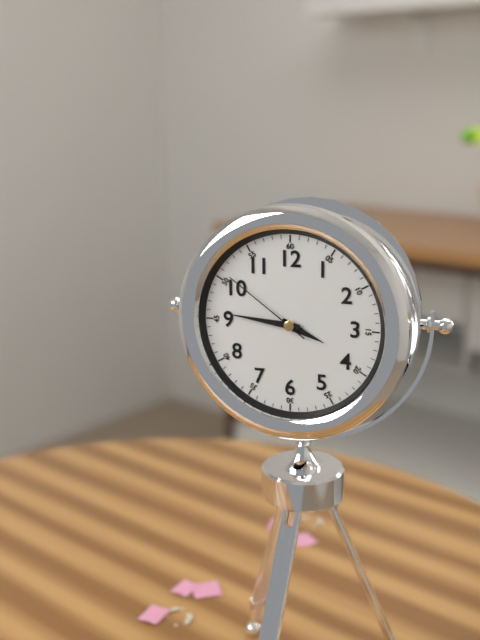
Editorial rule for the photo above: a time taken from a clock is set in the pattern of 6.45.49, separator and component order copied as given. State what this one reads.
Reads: 3.46.51
